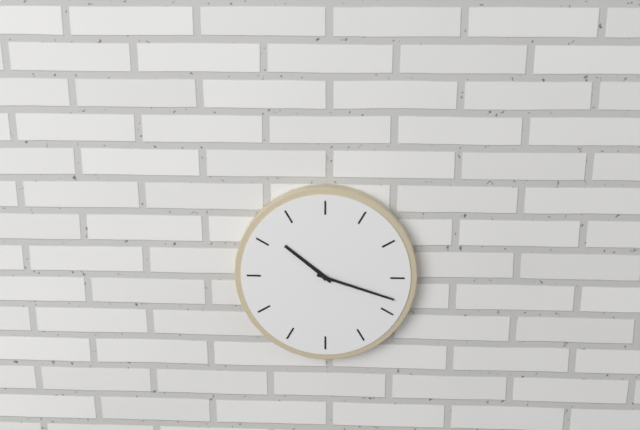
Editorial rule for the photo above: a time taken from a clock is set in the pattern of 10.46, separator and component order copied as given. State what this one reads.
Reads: 10.18
